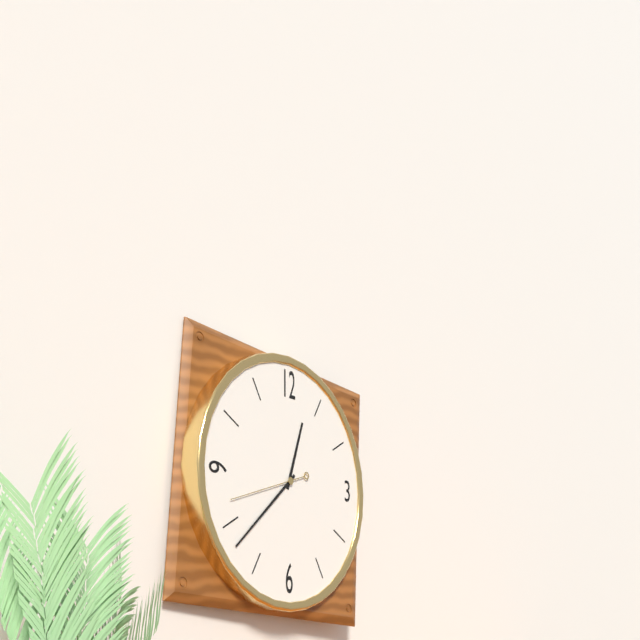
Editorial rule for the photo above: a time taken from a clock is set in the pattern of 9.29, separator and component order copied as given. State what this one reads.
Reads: 12.38
